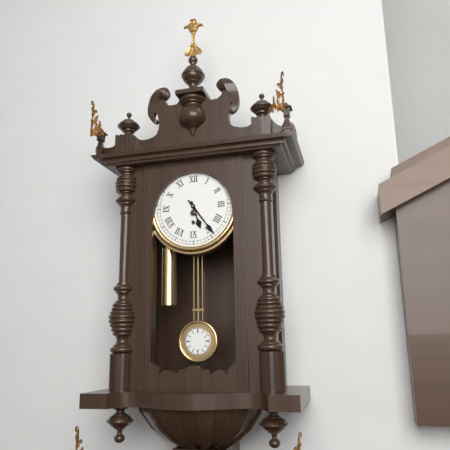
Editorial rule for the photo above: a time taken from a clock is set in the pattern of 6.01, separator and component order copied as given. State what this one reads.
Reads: 5.24
